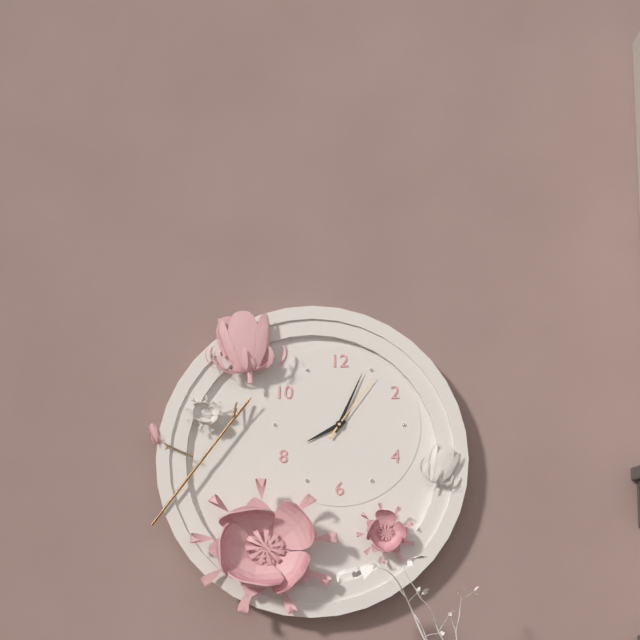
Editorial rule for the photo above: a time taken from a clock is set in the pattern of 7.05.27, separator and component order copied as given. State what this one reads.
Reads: 8.04.06
